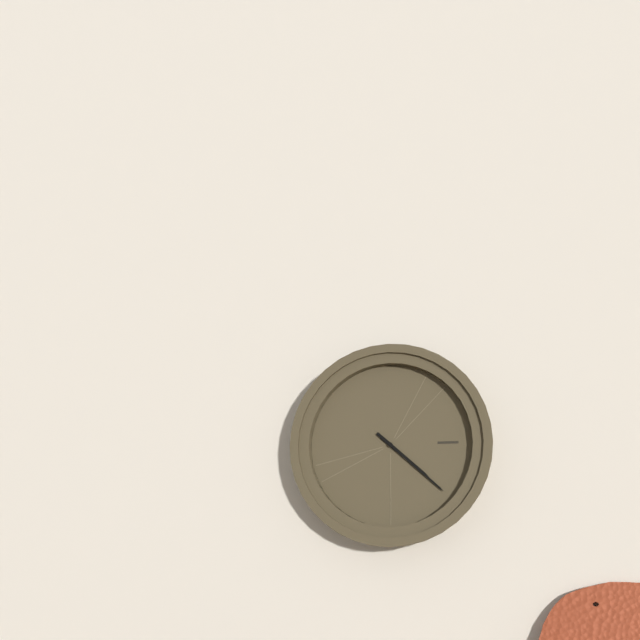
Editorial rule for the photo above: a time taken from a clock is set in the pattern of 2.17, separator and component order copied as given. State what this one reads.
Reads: 4.22
